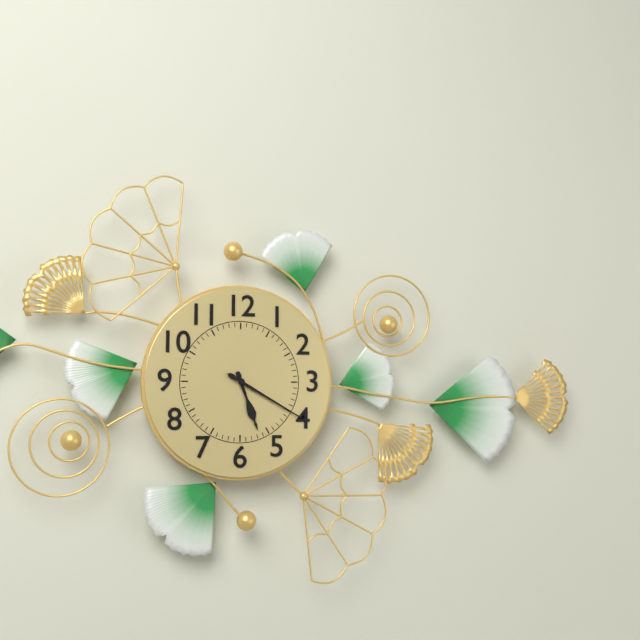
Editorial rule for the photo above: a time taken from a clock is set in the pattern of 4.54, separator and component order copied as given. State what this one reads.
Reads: 5.20
